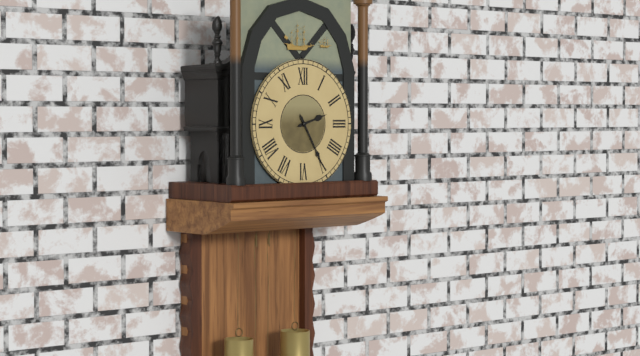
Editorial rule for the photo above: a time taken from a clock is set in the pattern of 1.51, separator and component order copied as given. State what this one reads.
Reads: 2.25
